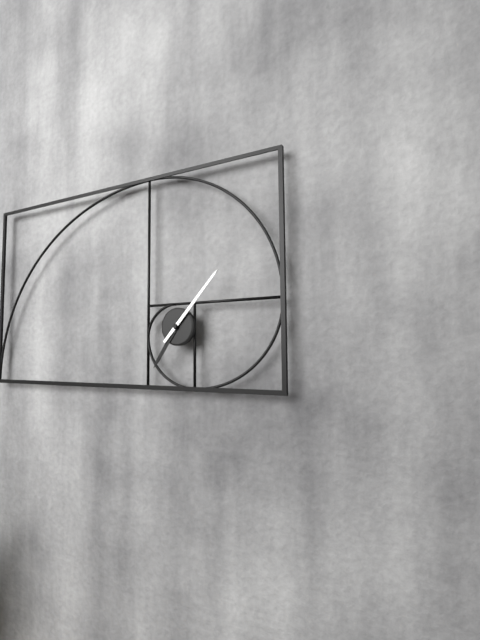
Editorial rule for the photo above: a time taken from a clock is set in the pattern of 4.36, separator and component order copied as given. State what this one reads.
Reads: 7.07
